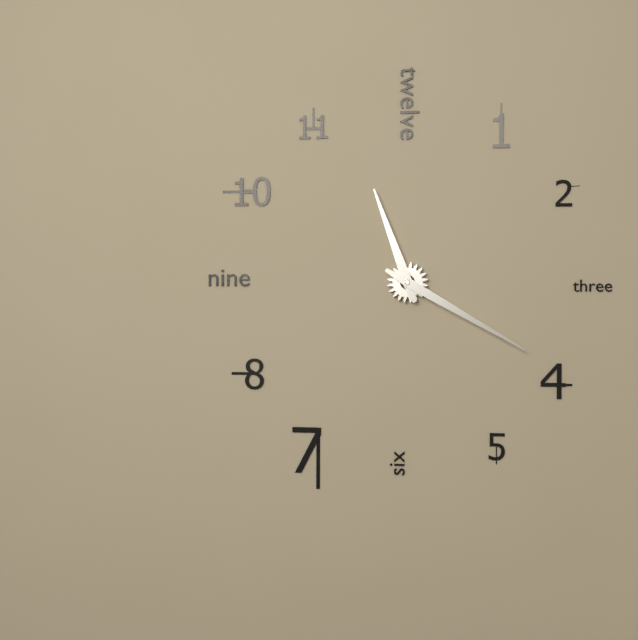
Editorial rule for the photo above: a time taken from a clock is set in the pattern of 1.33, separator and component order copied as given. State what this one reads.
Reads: 11.20
